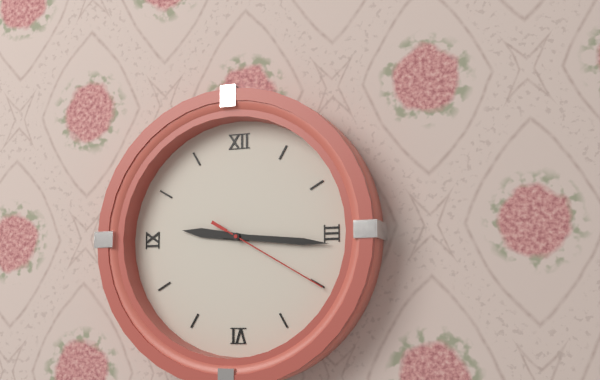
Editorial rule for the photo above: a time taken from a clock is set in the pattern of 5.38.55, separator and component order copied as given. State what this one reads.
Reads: 9.16.20
